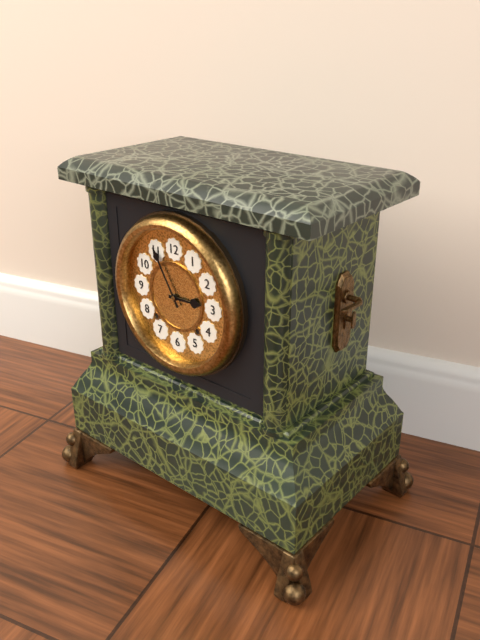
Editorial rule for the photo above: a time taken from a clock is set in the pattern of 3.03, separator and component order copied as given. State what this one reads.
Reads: 2.55
